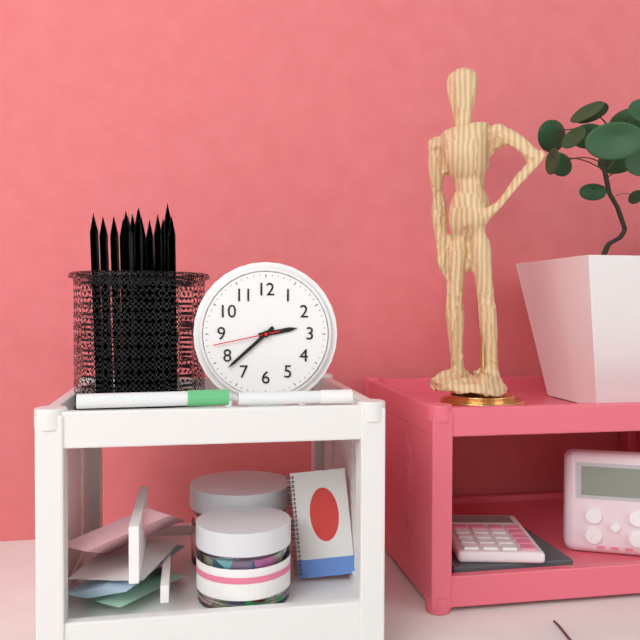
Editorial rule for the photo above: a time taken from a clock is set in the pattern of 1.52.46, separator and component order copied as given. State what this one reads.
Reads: 2.38.43
